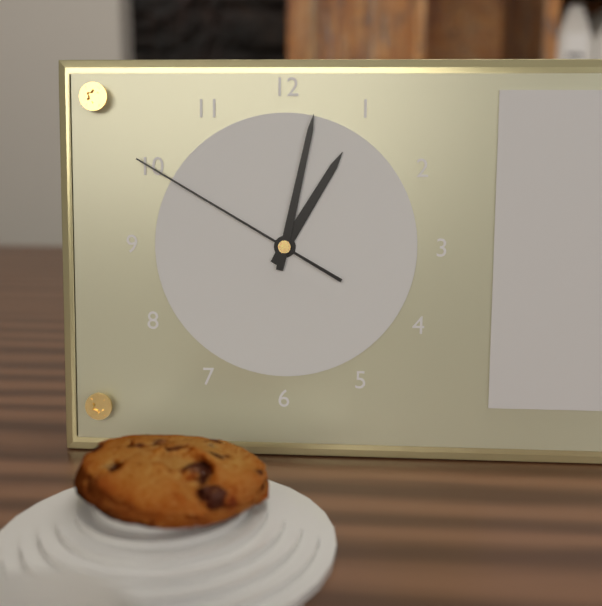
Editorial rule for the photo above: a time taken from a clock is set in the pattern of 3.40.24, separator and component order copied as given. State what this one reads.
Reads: 1.02.50
